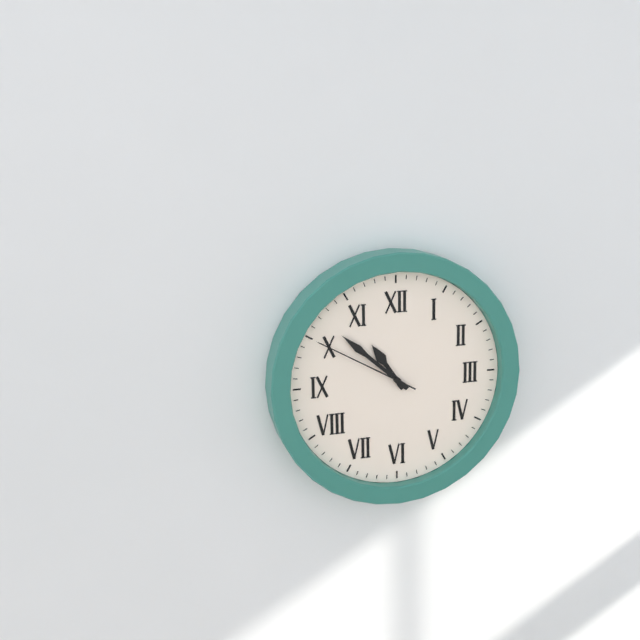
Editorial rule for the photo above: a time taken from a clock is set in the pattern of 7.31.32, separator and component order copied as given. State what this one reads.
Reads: 10.52.50
